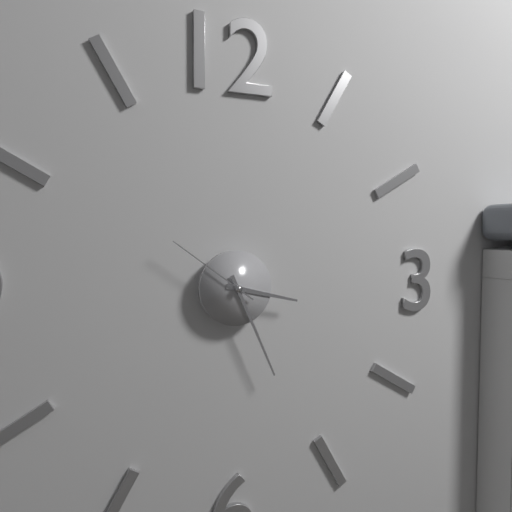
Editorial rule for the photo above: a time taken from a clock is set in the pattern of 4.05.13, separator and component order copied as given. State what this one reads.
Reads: 3.26.51
